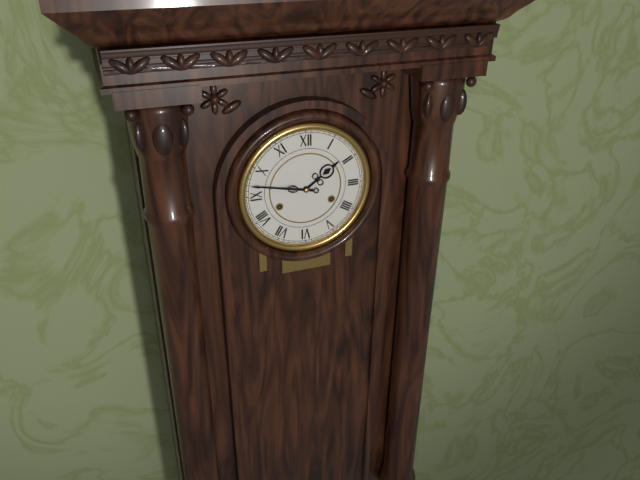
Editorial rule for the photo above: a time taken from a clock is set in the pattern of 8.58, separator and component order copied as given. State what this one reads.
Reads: 1.47
